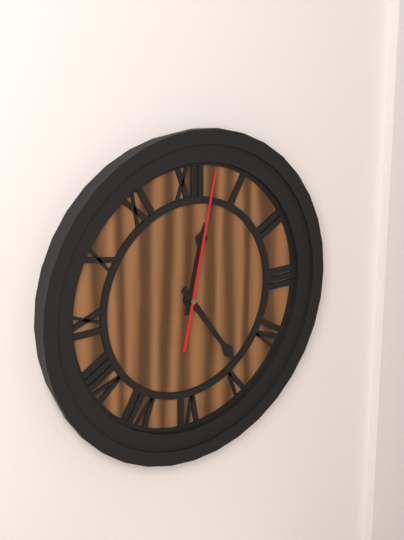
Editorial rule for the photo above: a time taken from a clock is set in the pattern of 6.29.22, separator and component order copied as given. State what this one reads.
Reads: 12.24.02
